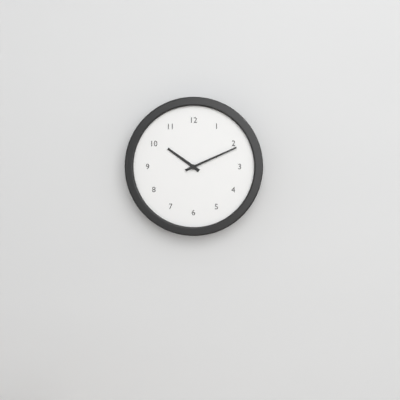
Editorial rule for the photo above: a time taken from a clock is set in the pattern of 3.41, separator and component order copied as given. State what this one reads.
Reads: 10.11
